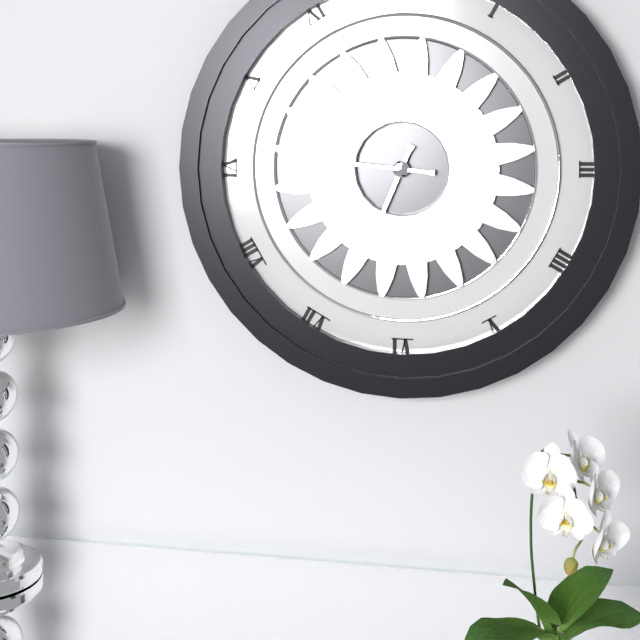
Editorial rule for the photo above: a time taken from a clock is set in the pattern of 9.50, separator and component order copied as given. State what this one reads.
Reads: 6.46
